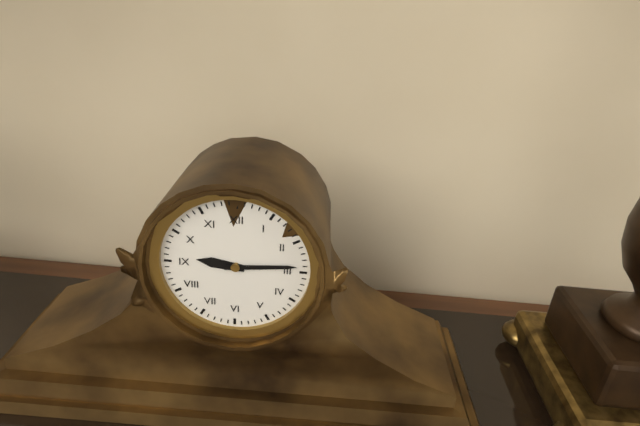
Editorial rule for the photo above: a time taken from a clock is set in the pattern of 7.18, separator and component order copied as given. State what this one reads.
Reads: 9.14
